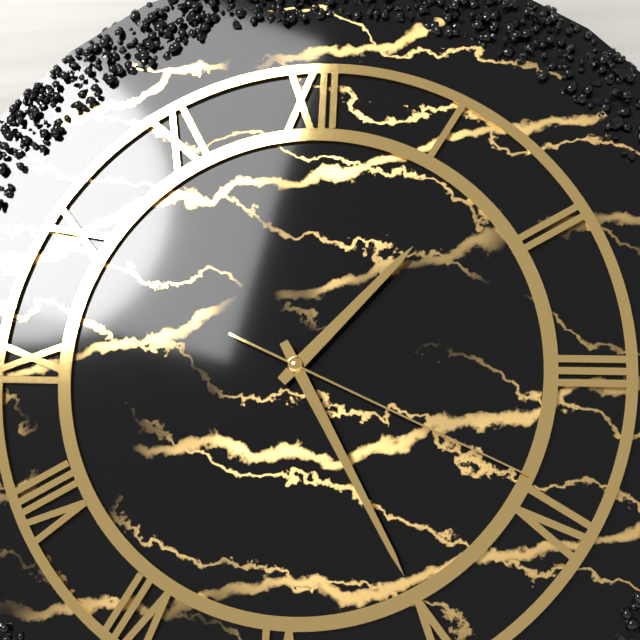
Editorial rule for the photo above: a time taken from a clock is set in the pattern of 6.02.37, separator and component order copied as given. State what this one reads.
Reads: 1.25.19
